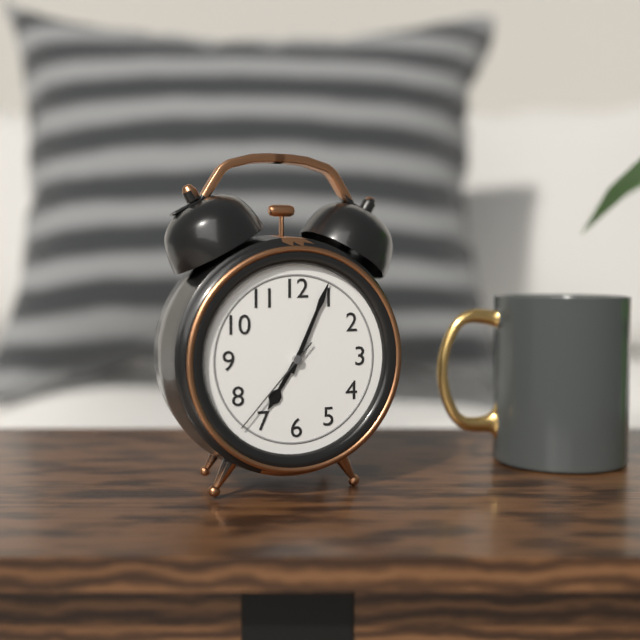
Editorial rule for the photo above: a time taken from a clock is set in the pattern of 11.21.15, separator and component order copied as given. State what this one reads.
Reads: 7.04.37
